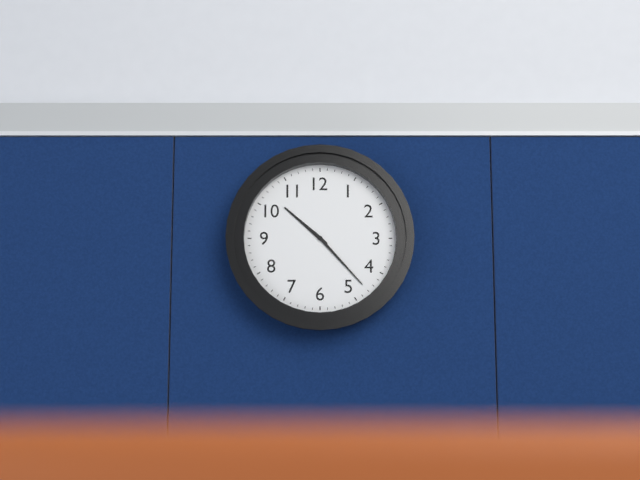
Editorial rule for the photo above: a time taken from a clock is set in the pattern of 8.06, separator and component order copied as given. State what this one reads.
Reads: 10.23
